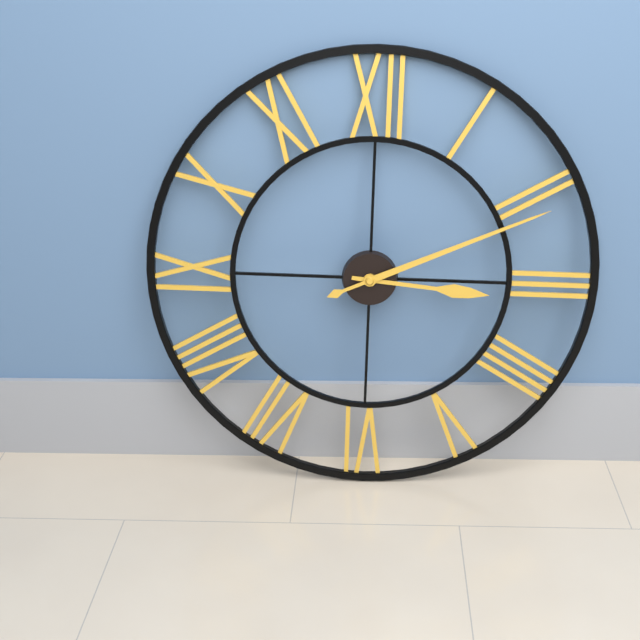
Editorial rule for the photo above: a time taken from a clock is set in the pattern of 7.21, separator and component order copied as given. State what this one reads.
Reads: 3.11
